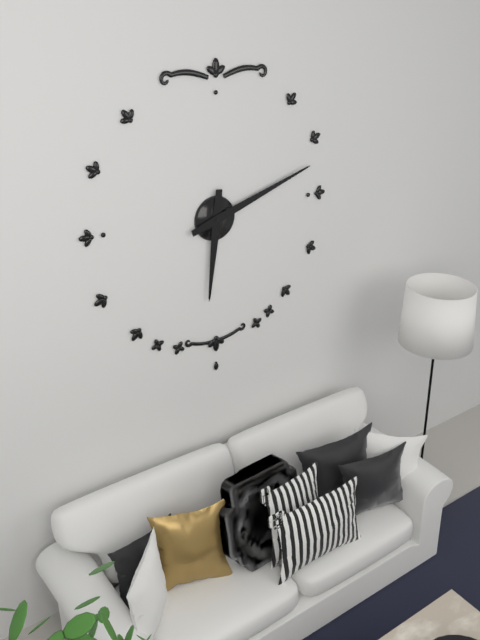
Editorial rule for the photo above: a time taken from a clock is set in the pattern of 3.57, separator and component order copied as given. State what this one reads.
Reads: 6.12
